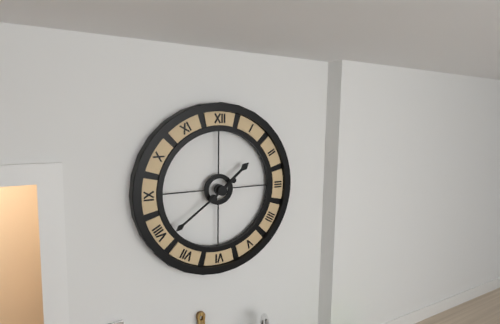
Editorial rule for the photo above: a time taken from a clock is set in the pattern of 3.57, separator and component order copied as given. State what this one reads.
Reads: 1.39
